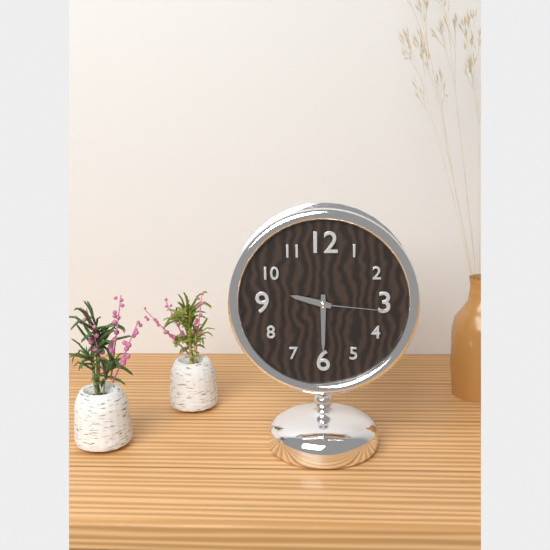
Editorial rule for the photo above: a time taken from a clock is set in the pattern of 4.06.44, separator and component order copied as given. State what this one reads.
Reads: 9.30.16
